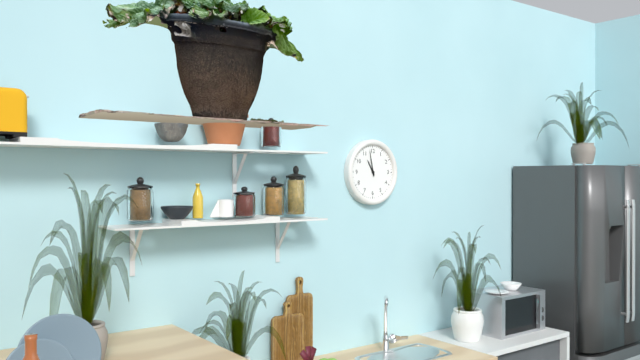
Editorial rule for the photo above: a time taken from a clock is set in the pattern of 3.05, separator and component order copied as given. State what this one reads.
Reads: 10.58
